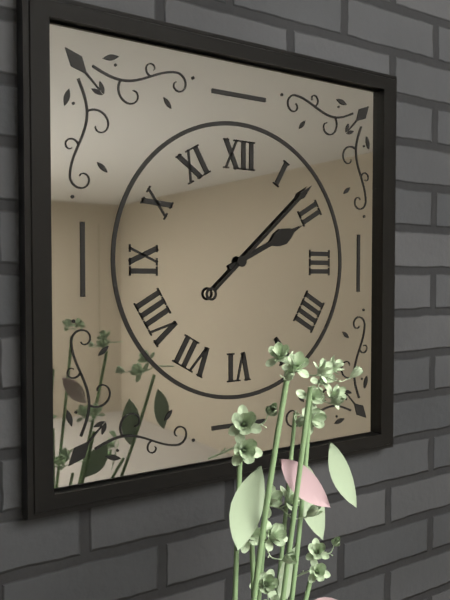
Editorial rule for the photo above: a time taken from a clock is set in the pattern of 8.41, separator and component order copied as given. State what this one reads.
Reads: 2.08
